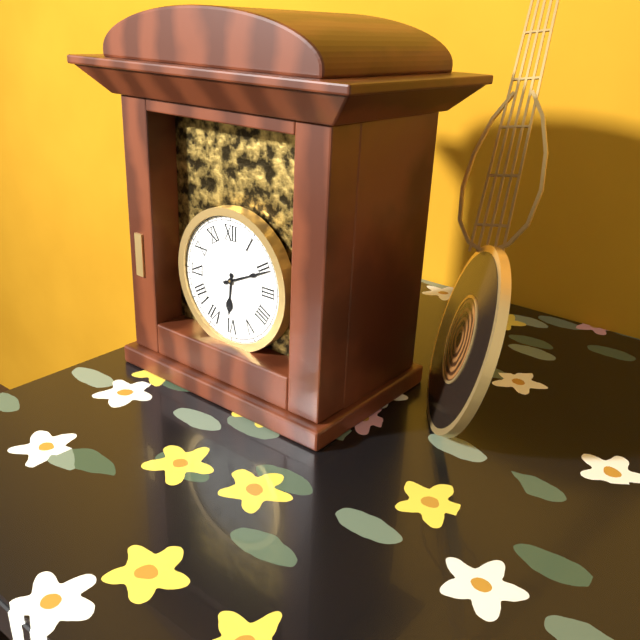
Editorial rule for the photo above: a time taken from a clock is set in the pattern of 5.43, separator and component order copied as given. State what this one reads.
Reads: 6.11
